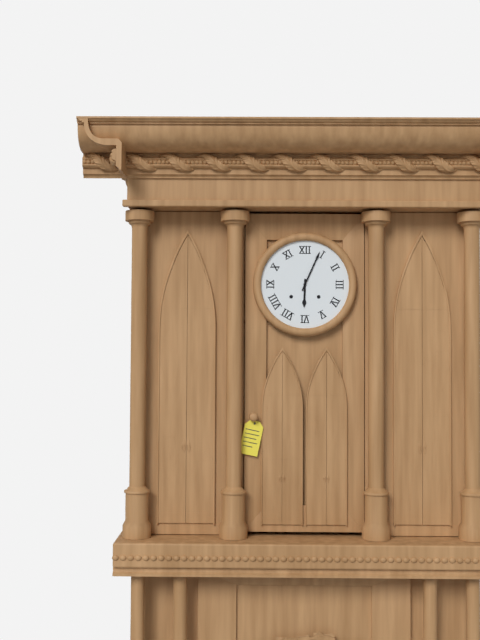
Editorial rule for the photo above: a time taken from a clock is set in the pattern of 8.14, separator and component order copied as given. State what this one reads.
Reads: 6.04
